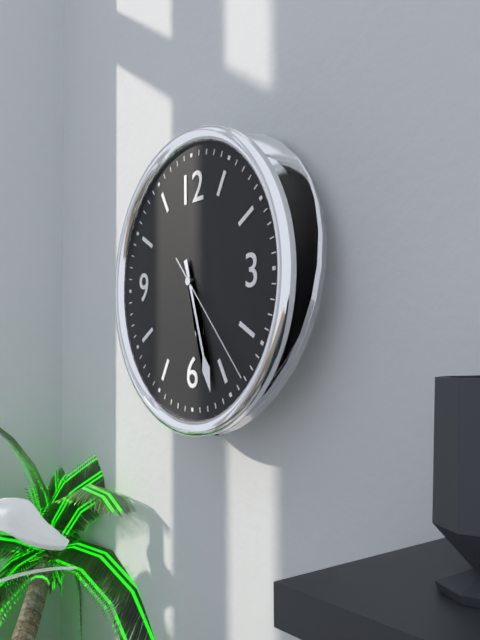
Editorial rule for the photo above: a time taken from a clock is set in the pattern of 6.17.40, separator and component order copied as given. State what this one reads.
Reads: 5.27.23
